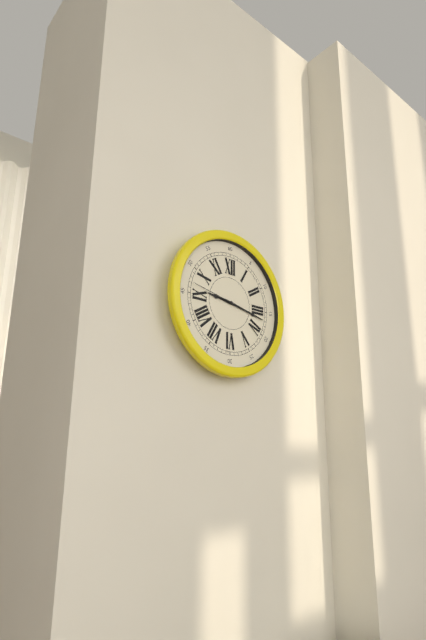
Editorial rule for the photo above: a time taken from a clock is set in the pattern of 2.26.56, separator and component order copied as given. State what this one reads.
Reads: 9.17.47
